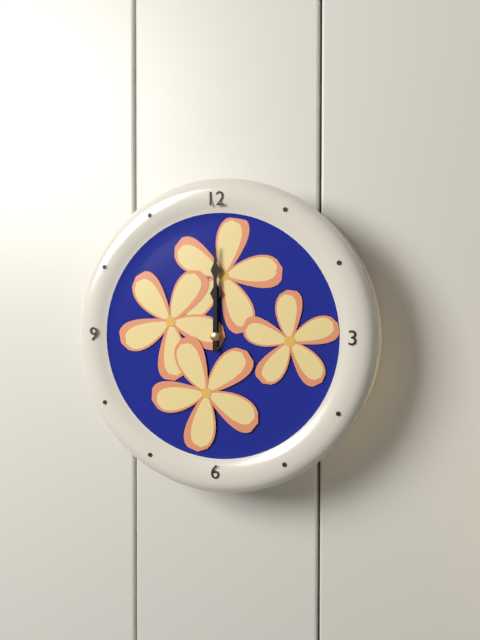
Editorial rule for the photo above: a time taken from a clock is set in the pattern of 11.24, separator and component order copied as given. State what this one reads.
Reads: 12.00
